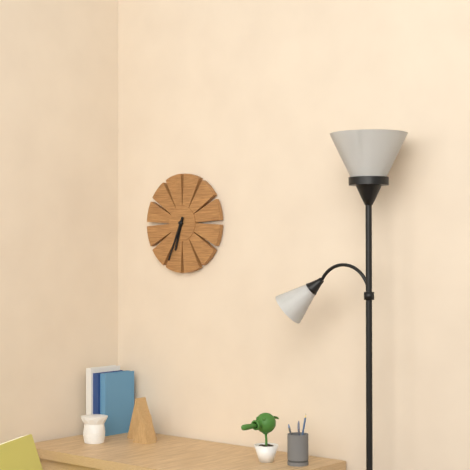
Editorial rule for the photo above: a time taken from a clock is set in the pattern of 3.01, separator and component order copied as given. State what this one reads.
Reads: 6.34
